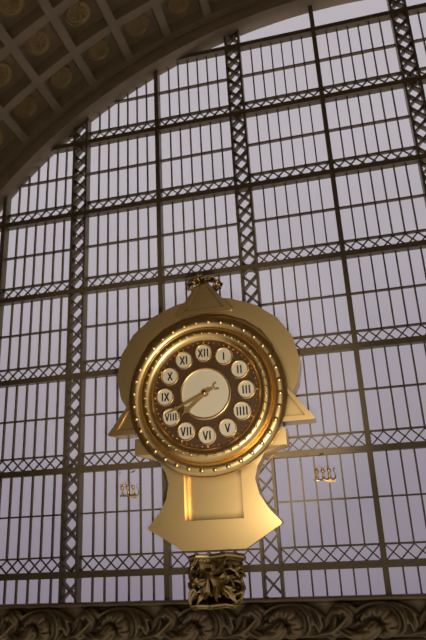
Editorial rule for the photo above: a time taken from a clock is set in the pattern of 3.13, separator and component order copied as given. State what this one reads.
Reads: 7.41
